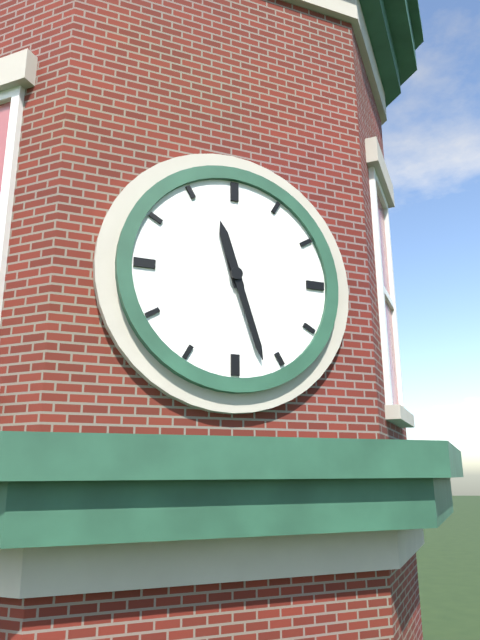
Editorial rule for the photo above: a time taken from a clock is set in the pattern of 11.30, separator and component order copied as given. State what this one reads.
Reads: 11.27
